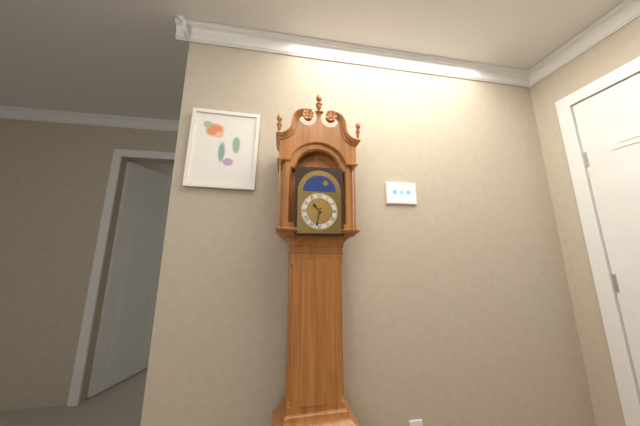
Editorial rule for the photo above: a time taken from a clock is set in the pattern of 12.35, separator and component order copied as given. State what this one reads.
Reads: 10.32
